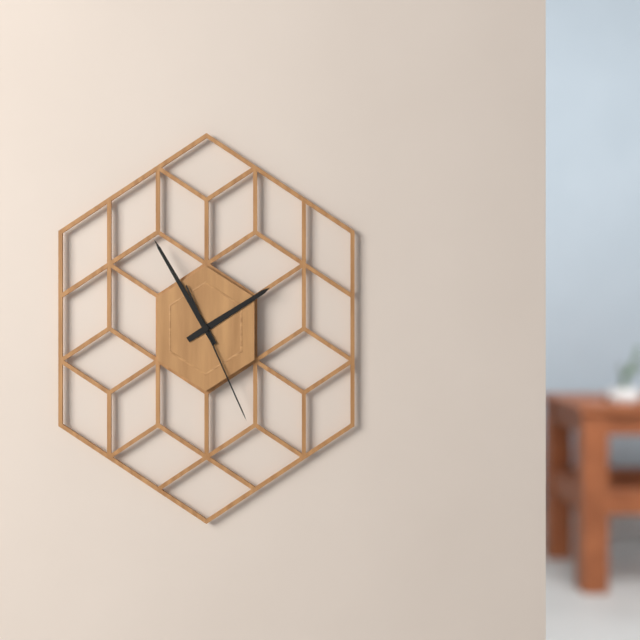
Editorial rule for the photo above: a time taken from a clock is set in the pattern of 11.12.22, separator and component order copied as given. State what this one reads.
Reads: 1.55.26
